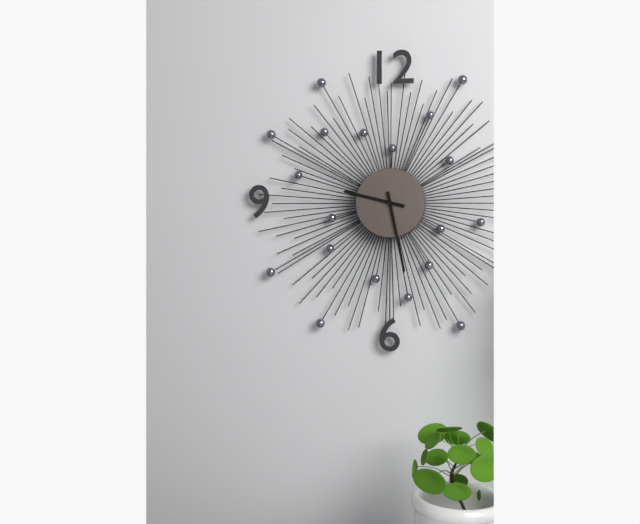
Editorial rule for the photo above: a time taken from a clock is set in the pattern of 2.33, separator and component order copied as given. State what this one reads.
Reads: 9.28
